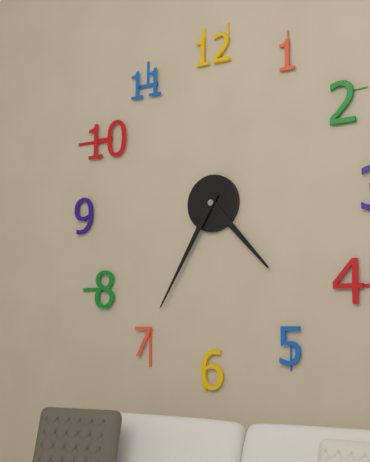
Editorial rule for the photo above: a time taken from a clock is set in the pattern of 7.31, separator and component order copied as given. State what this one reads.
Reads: 4.35
